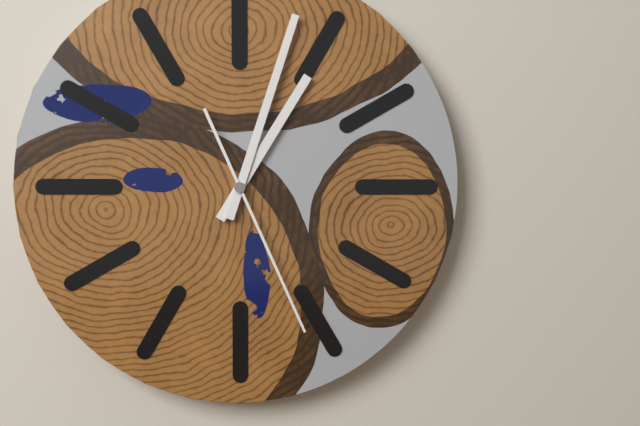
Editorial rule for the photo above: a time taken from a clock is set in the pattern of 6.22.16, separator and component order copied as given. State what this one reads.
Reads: 1.03.26
